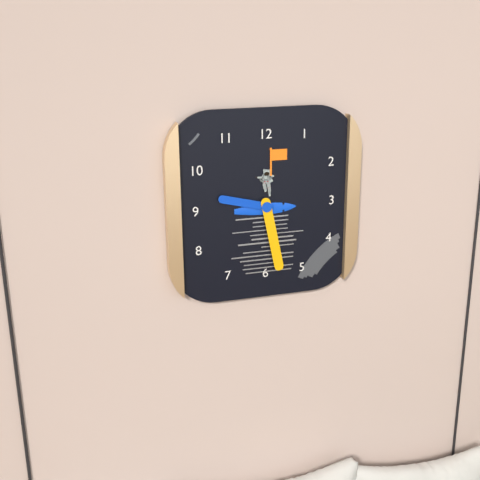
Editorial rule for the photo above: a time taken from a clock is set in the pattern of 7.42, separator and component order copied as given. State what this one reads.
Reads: 9.28
